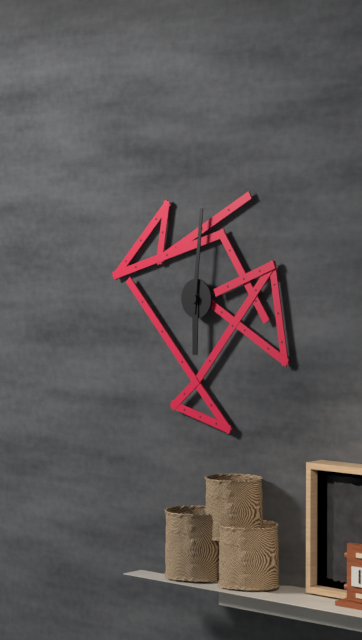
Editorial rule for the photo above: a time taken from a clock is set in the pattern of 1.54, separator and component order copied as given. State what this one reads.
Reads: 6.01
